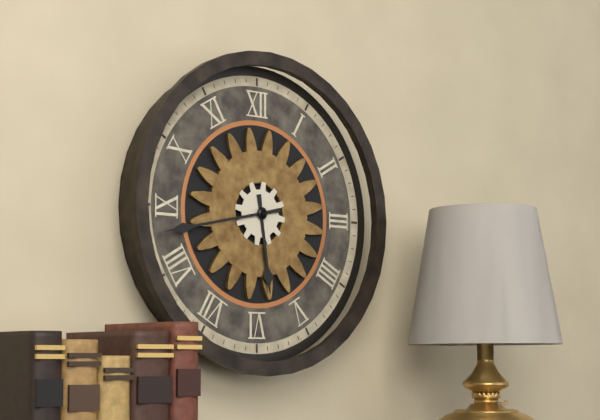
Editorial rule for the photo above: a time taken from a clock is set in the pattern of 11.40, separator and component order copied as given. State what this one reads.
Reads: 5.43
